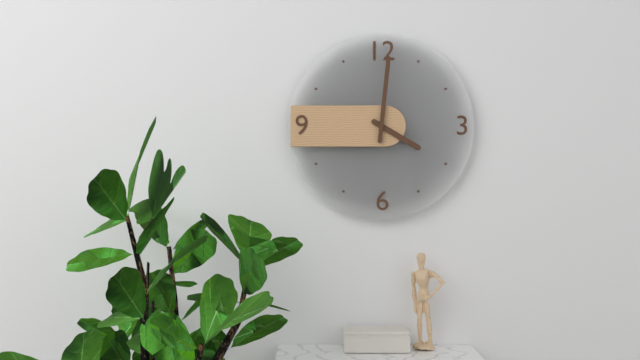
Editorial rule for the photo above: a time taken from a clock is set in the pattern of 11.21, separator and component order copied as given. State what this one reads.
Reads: 4.01
